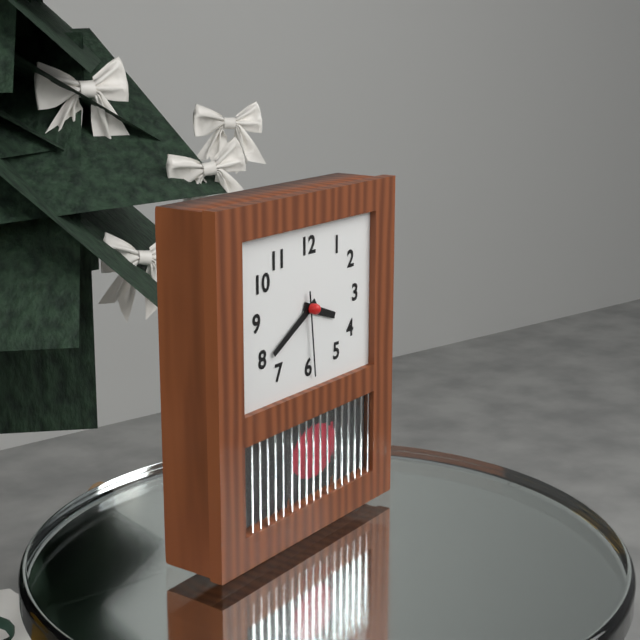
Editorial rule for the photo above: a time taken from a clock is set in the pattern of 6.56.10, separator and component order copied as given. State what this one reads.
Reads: 3.40.29
